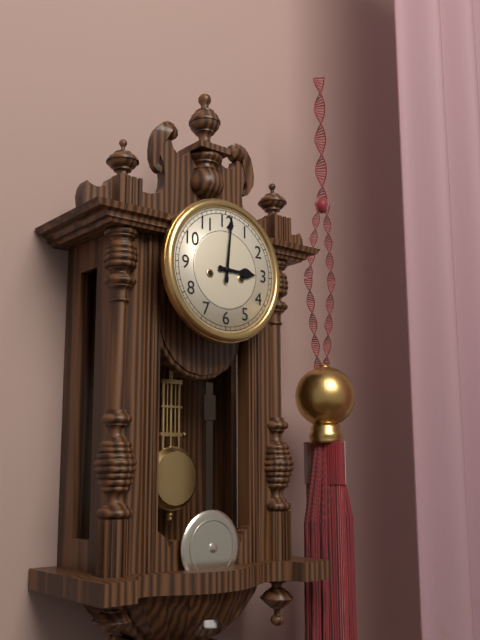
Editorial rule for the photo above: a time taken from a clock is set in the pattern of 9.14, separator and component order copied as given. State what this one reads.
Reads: 3.01
